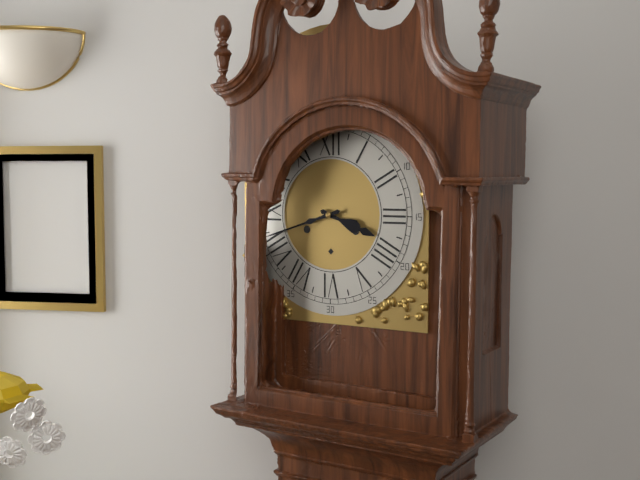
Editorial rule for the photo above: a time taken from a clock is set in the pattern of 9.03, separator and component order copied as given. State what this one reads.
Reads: 3.42
